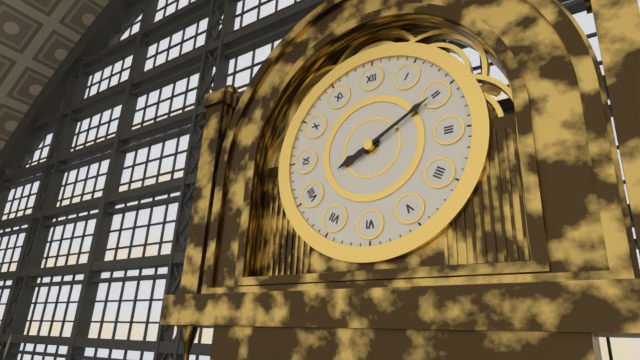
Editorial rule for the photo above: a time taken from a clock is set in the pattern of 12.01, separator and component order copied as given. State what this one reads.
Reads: 8.10
